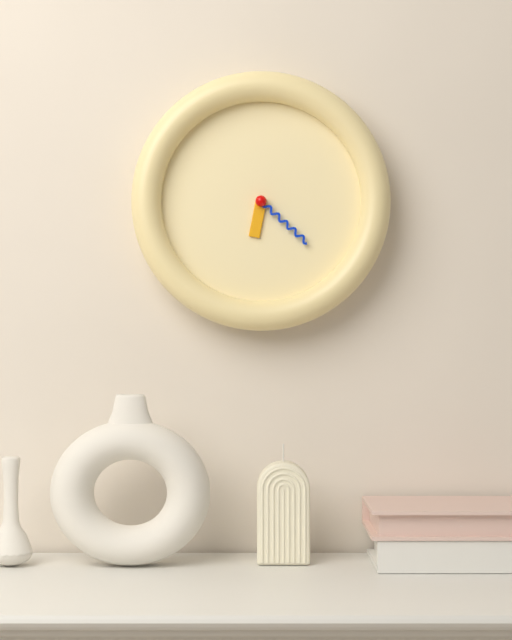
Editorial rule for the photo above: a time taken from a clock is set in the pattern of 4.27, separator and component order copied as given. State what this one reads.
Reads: 6.22
